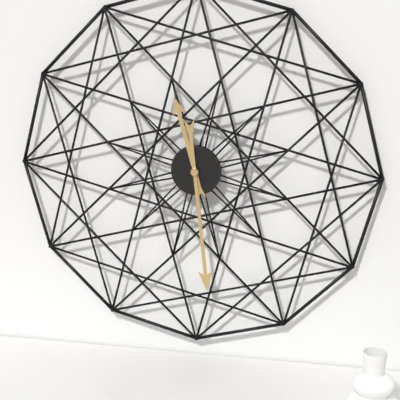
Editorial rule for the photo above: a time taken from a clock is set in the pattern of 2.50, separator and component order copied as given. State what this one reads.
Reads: 11.29
